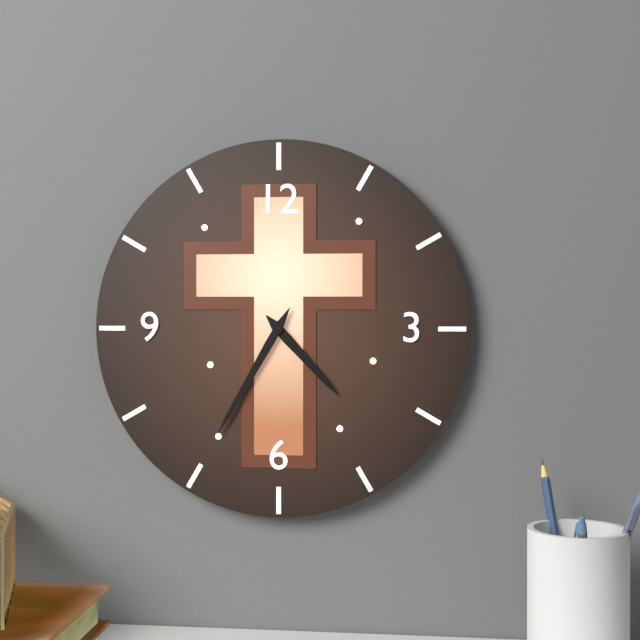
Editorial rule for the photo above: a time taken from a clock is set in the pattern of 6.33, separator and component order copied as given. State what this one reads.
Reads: 4.35
